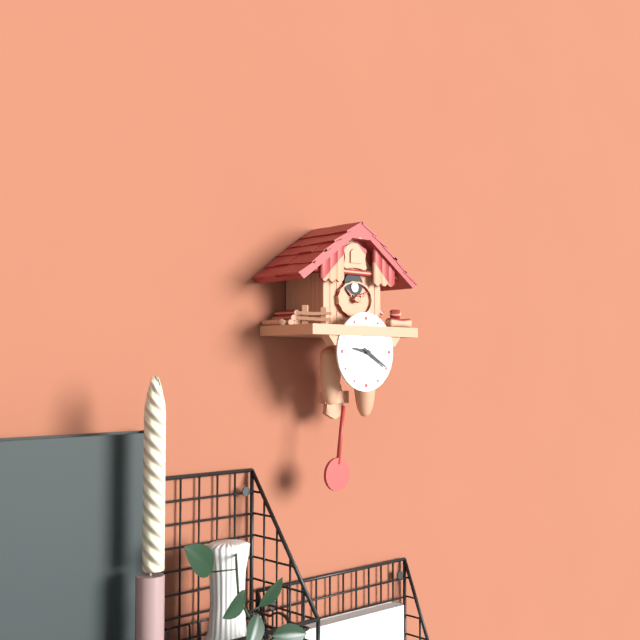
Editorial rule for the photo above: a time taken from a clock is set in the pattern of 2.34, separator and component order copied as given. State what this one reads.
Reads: 9.20
